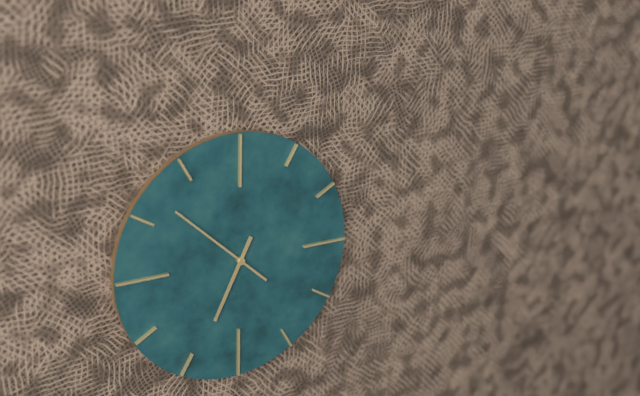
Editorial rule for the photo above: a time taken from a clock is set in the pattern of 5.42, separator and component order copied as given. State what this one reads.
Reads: 6.52
